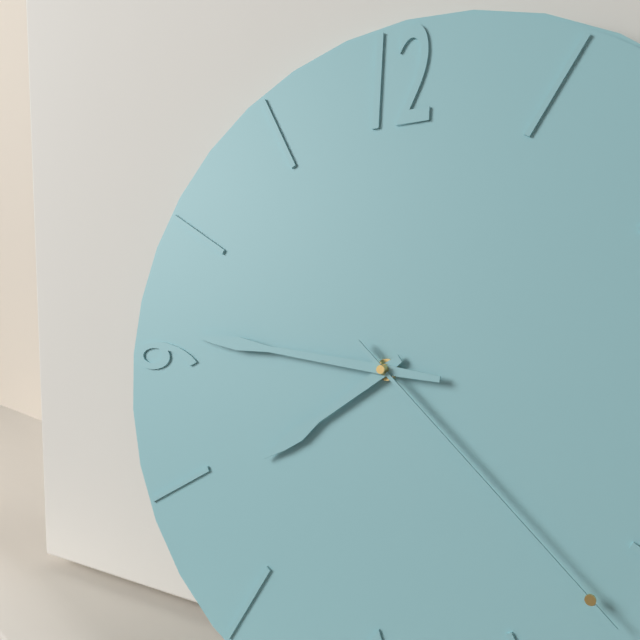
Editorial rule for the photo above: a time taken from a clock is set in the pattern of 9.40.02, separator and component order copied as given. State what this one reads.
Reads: 7.46.22
